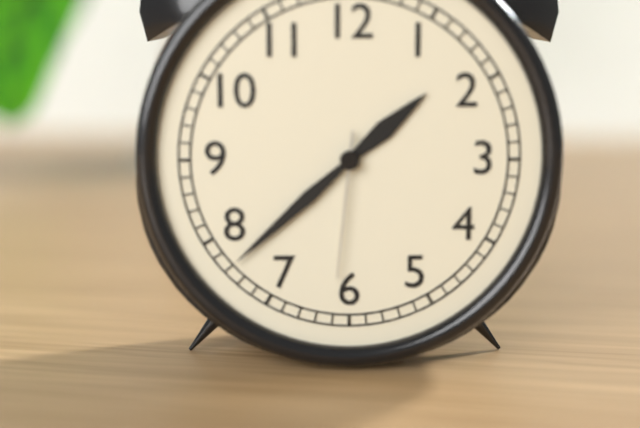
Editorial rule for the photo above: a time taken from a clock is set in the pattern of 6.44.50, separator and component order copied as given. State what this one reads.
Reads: 1.38.31
